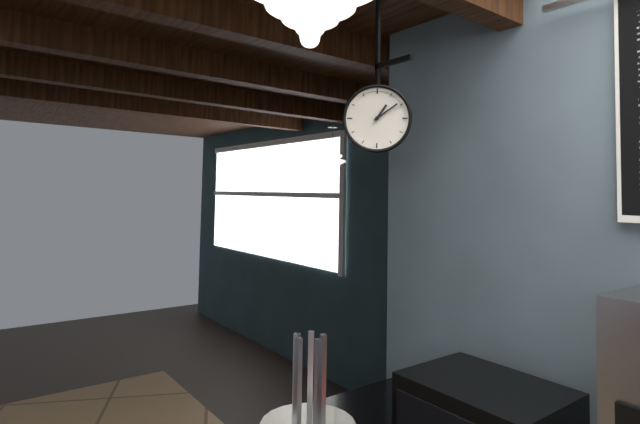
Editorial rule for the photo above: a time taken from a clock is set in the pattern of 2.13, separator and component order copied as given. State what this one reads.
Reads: 1.09
